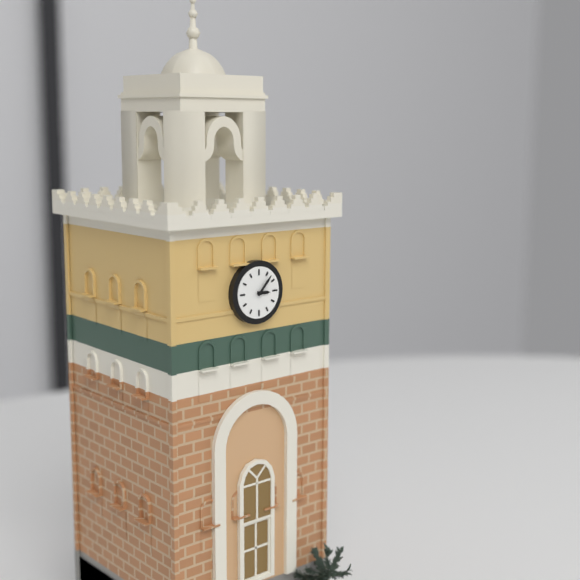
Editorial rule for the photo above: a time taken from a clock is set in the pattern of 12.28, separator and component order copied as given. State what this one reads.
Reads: 3.07
